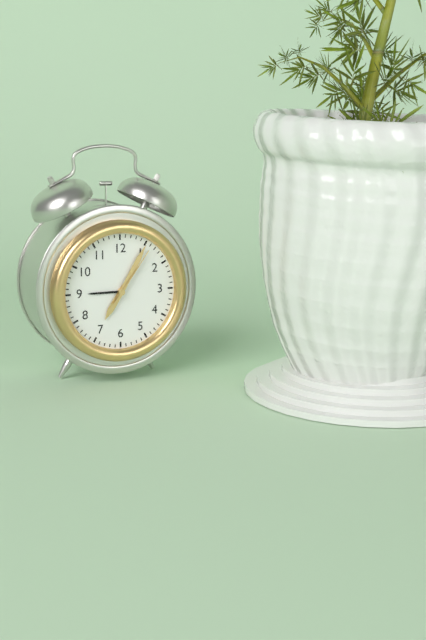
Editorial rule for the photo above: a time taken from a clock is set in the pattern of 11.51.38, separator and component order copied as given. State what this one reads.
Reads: 7.05.06
